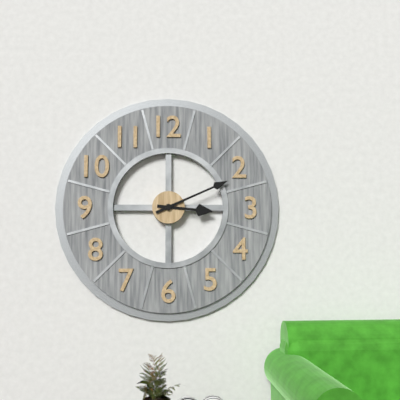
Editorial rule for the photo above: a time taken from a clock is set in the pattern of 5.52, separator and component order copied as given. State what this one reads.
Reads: 3.11
